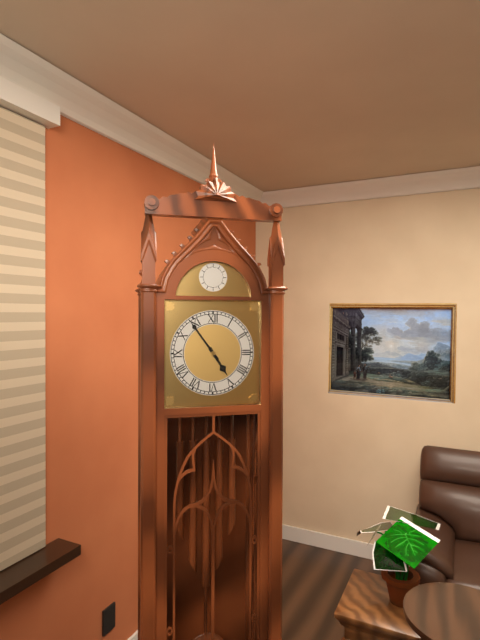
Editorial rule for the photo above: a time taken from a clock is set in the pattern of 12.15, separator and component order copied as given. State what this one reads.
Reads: 4.54
